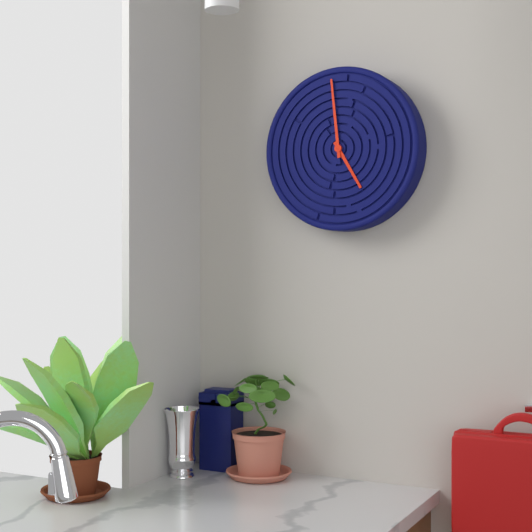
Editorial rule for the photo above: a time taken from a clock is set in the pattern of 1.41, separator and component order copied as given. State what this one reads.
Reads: 4.59
